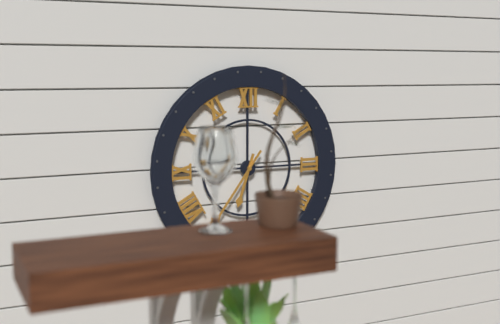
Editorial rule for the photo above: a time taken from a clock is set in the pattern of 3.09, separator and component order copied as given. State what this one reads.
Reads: 6.36
